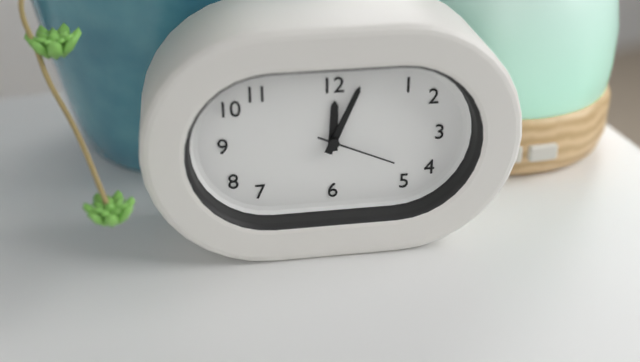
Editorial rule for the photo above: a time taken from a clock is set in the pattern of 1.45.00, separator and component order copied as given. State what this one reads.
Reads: 12.04.19
